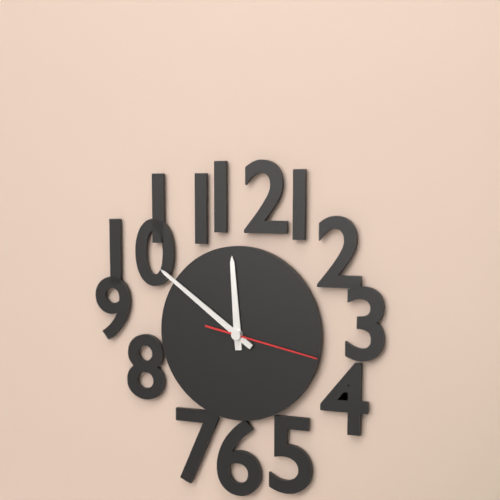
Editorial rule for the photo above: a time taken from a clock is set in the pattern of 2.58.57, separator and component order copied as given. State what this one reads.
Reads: 11.51.17
